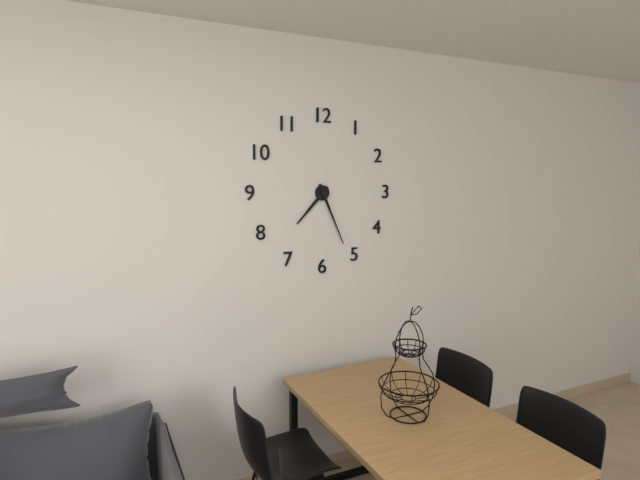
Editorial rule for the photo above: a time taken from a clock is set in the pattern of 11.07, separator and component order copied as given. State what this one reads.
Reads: 7.26
